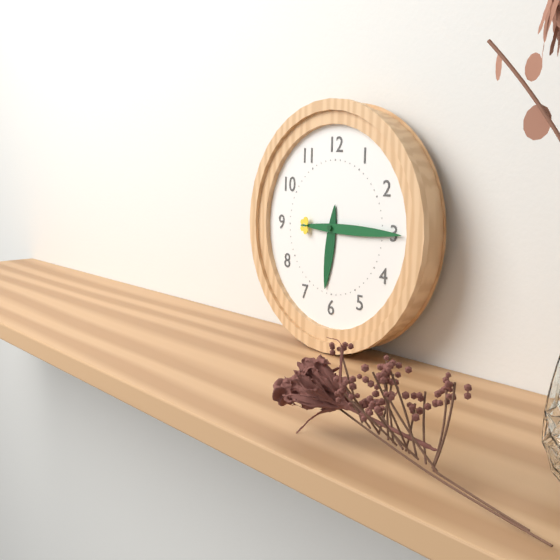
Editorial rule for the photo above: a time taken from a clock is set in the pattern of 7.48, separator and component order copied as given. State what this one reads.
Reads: 6.15
